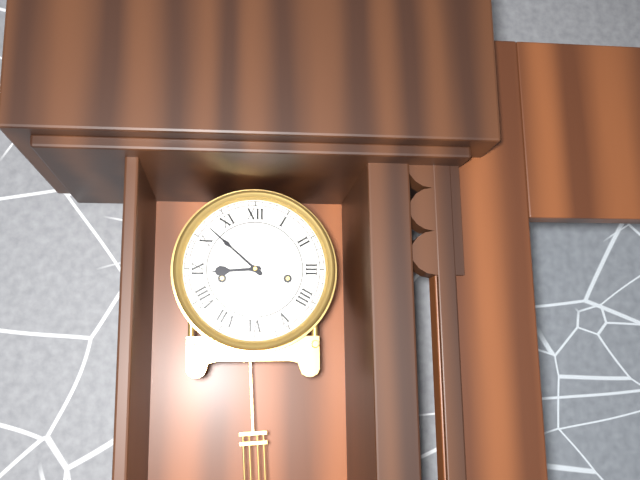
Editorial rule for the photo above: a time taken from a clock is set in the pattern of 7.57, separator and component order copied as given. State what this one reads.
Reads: 8.52
